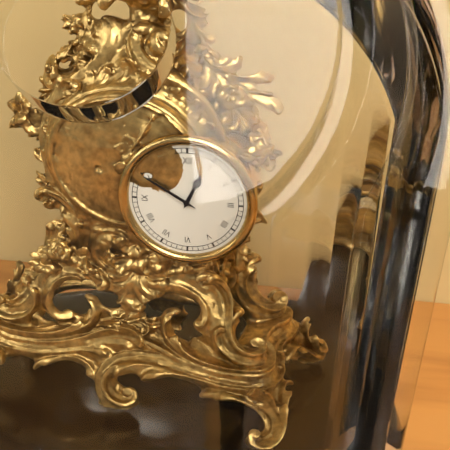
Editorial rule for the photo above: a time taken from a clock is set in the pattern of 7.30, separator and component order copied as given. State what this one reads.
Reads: 12.50
